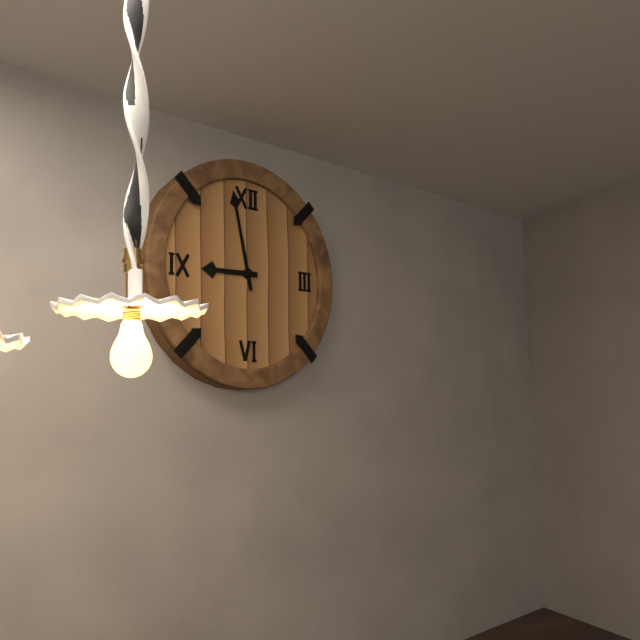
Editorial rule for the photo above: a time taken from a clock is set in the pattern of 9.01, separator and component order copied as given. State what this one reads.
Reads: 8.58
